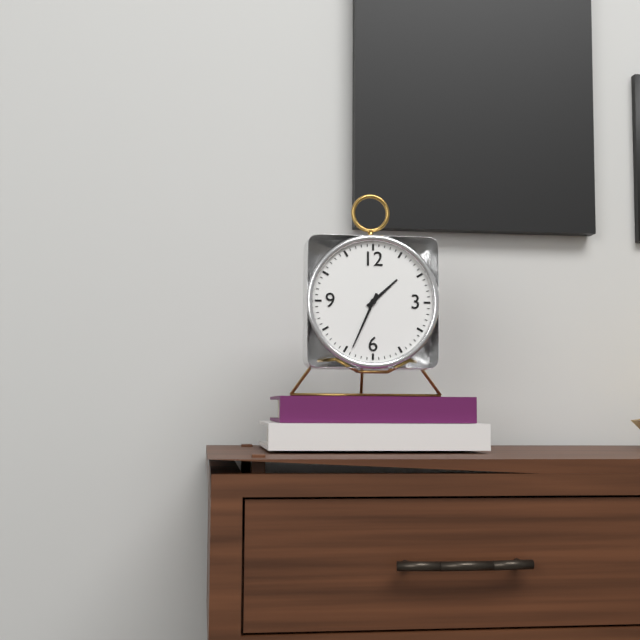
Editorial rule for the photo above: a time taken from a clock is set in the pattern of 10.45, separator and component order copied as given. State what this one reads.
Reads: 1.34
